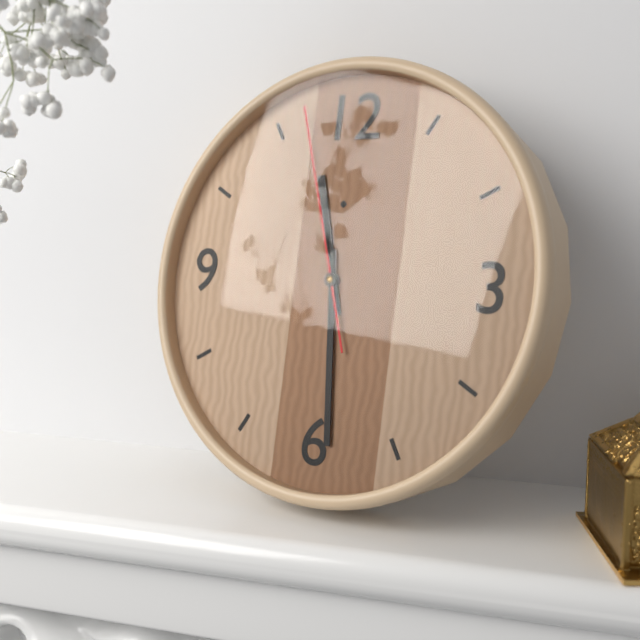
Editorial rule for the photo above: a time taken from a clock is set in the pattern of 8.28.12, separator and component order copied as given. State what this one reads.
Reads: 11.29.57
